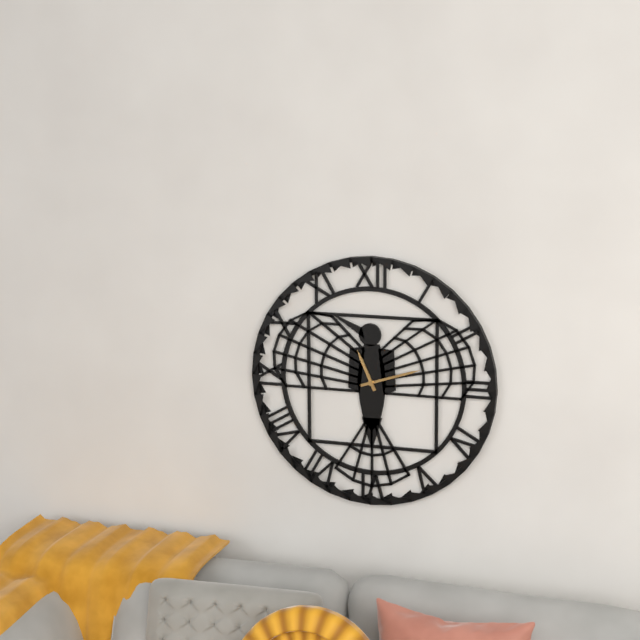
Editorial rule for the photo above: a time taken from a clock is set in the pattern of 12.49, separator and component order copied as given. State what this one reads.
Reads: 11.12
